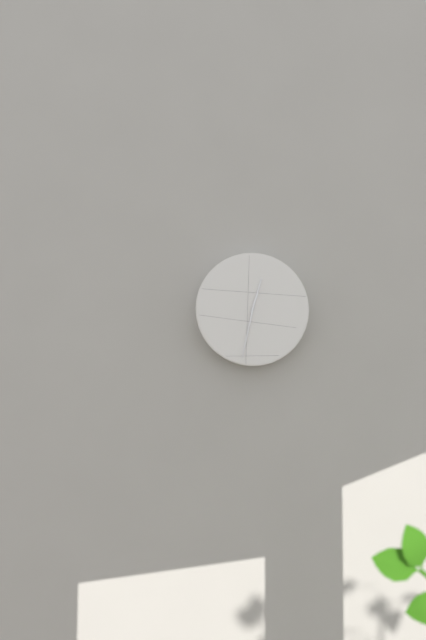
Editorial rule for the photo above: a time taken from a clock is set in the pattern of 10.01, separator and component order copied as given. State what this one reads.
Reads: 12.32
